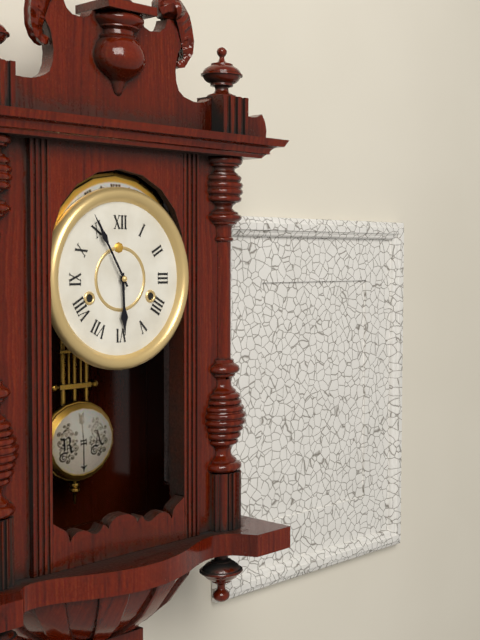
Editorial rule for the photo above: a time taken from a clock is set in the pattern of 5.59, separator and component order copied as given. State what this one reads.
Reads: 5.55
